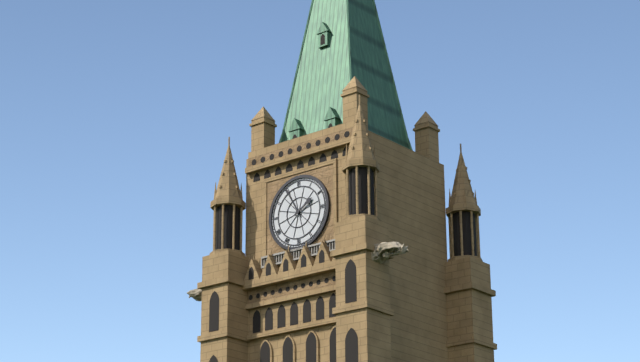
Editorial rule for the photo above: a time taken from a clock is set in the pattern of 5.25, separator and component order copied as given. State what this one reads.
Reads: 1.55
